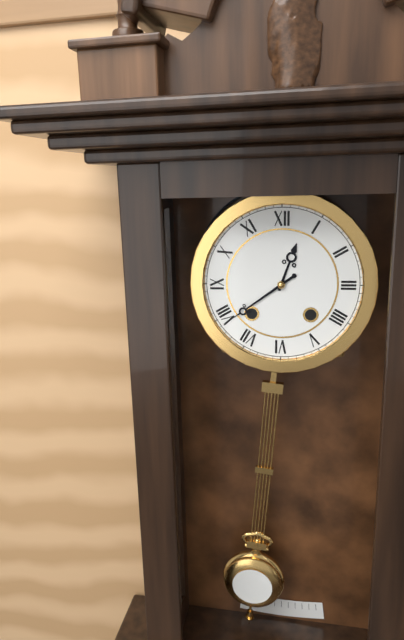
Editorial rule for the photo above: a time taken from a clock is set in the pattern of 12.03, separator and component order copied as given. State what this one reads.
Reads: 12.39
